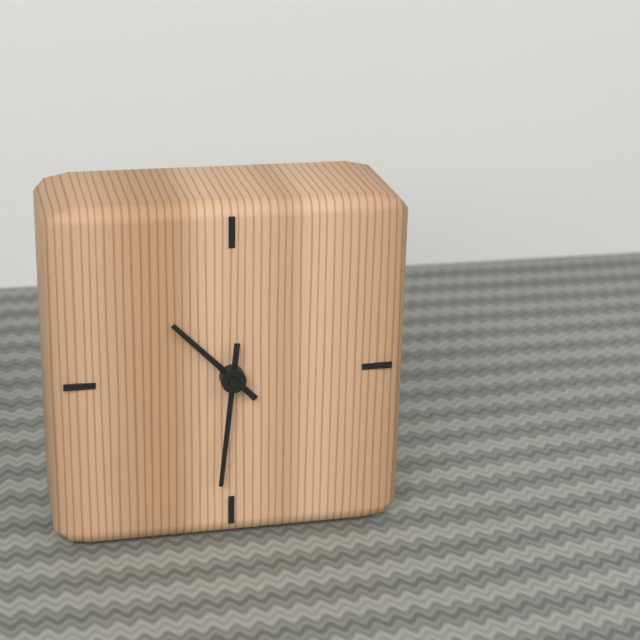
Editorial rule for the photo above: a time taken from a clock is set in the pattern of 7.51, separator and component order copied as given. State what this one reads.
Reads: 10.31
